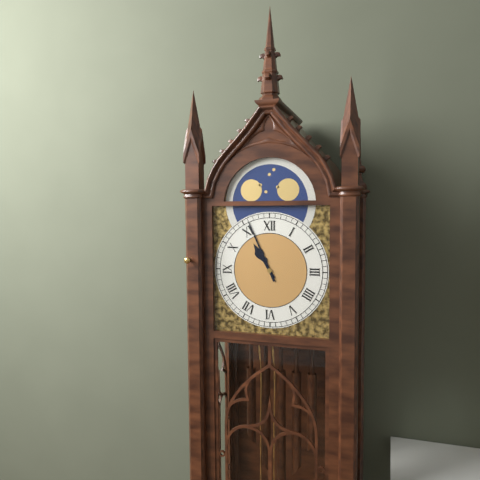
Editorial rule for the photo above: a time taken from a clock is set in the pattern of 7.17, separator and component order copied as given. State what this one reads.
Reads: 10.56
